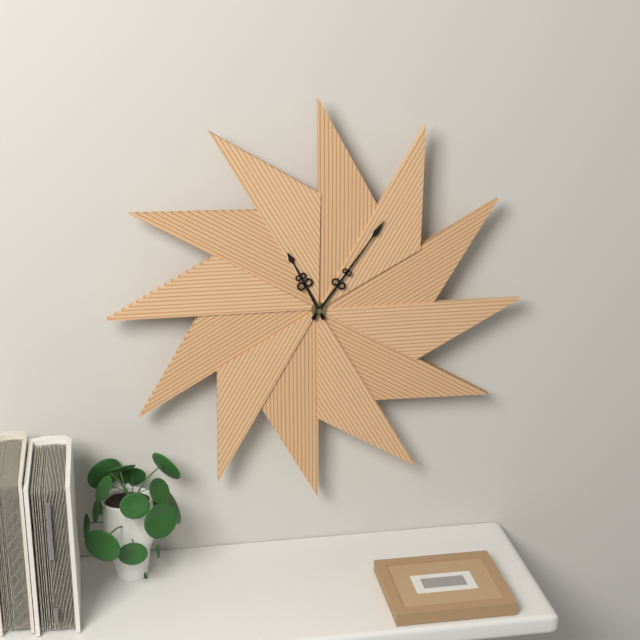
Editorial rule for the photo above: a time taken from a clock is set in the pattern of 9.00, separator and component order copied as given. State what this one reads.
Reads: 11.06
